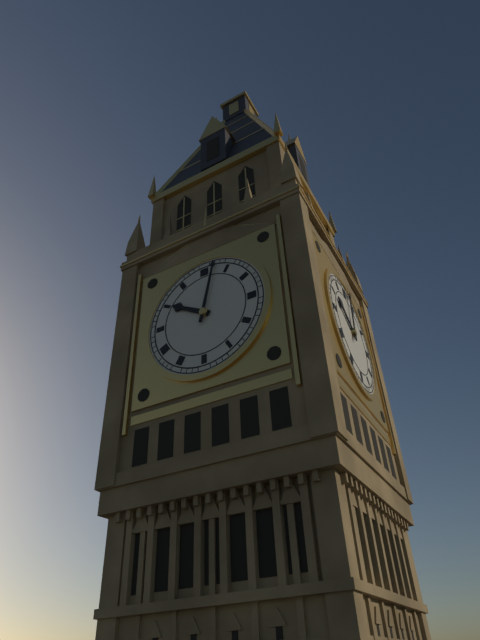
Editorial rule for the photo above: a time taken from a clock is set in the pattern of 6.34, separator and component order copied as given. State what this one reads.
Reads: 10.02
